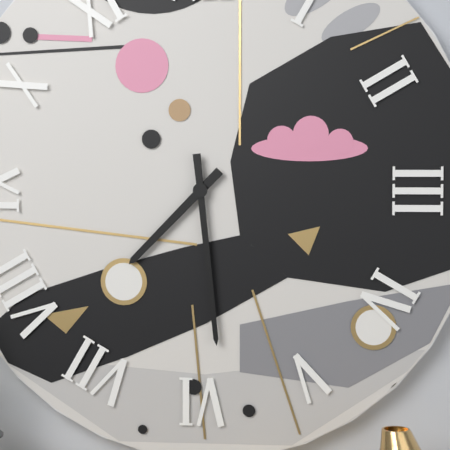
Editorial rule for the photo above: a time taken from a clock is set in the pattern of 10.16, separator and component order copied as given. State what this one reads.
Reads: 7.29
